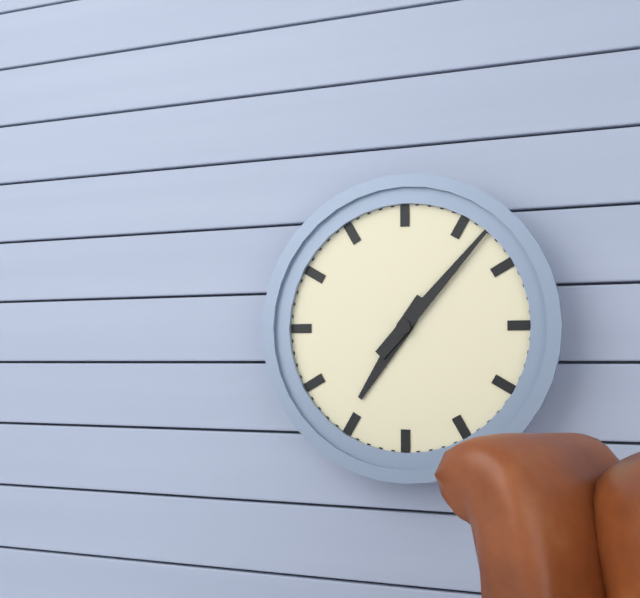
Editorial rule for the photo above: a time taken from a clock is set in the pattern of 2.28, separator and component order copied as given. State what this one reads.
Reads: 7.07
